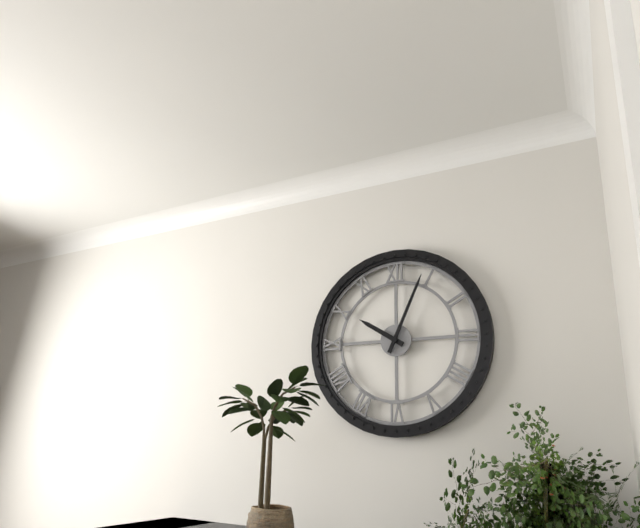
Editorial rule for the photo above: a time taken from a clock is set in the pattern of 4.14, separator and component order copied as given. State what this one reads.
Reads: 10.04
